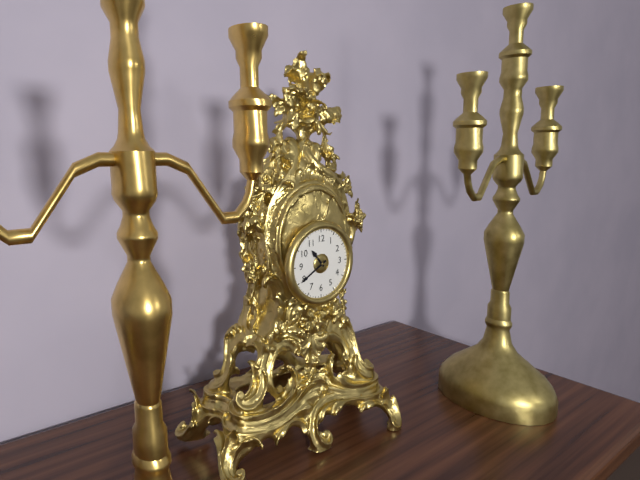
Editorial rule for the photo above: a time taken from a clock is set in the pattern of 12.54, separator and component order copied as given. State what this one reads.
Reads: 10.40
